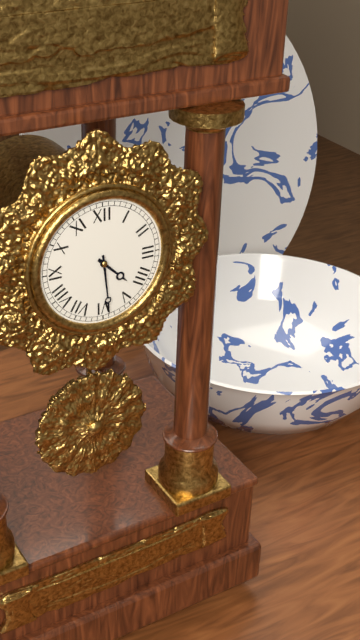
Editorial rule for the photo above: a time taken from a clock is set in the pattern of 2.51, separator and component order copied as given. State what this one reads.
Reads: 4.29
